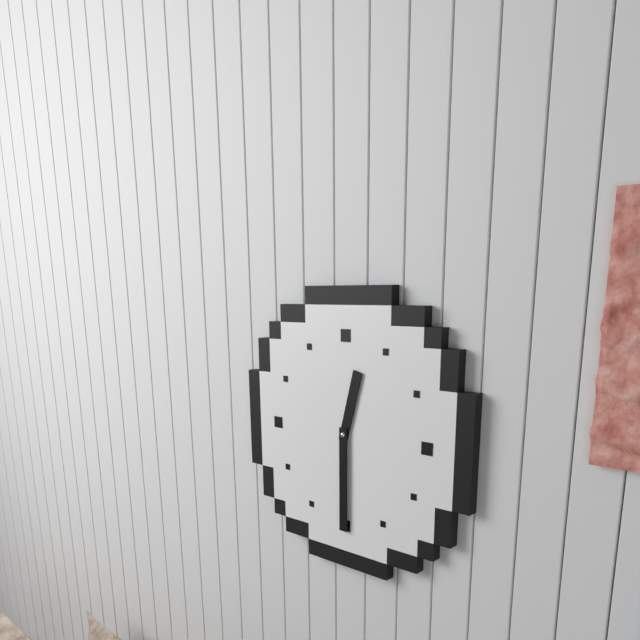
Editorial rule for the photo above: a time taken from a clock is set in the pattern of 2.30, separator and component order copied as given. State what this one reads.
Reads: 12.30
